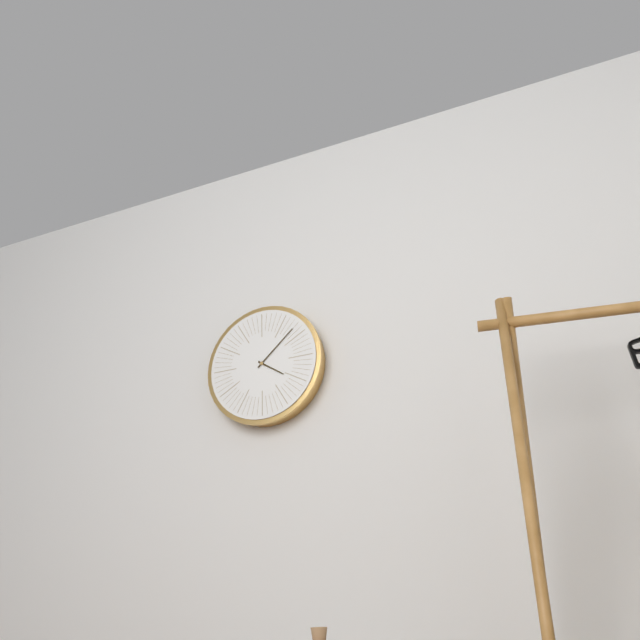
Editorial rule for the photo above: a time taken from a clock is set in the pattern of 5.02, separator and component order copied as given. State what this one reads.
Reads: 4.08
